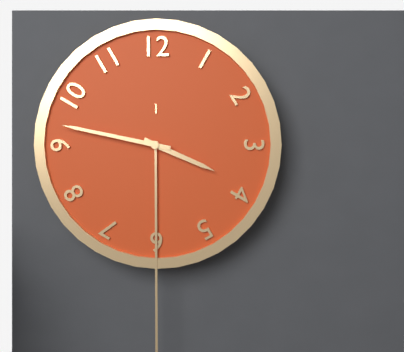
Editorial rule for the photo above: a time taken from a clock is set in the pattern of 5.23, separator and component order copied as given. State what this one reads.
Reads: 3.47
